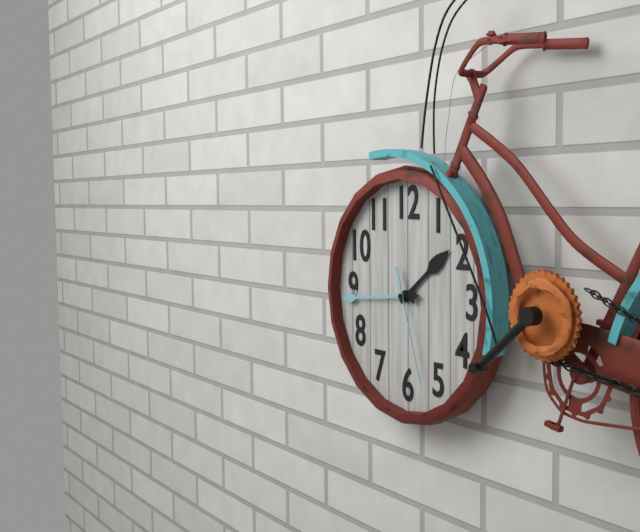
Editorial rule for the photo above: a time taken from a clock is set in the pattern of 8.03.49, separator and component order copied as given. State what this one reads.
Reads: 1.44.27
